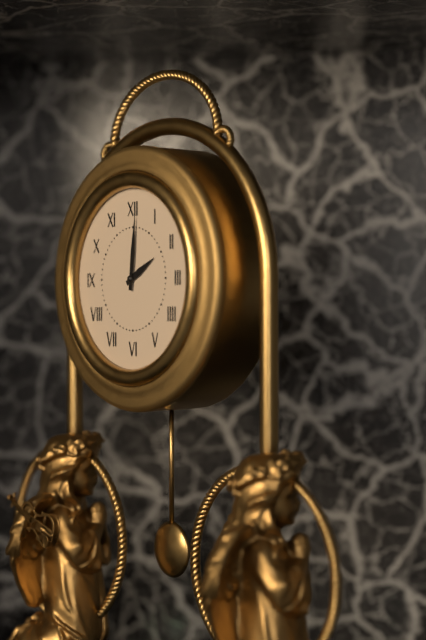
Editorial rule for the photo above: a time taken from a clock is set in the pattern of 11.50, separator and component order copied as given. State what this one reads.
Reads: 2.01
